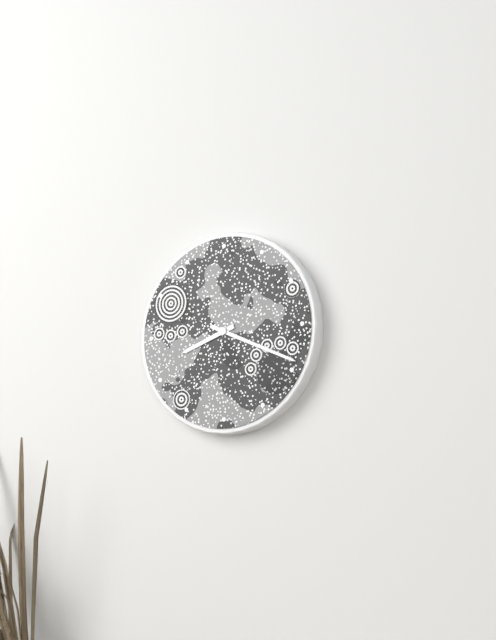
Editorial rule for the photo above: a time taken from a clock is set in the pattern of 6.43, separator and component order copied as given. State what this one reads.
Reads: 8.19
